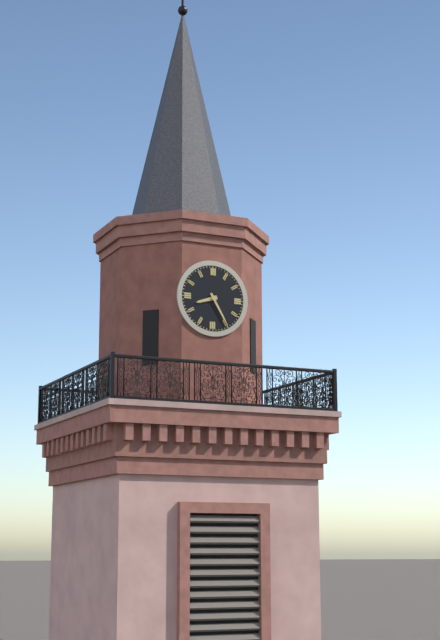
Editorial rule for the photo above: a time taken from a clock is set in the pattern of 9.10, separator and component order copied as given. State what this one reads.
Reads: 8.25
